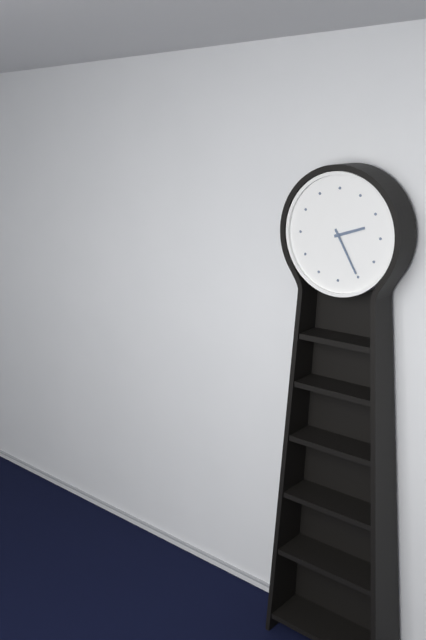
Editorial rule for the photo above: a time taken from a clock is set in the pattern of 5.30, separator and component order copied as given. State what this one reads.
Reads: 2.25
